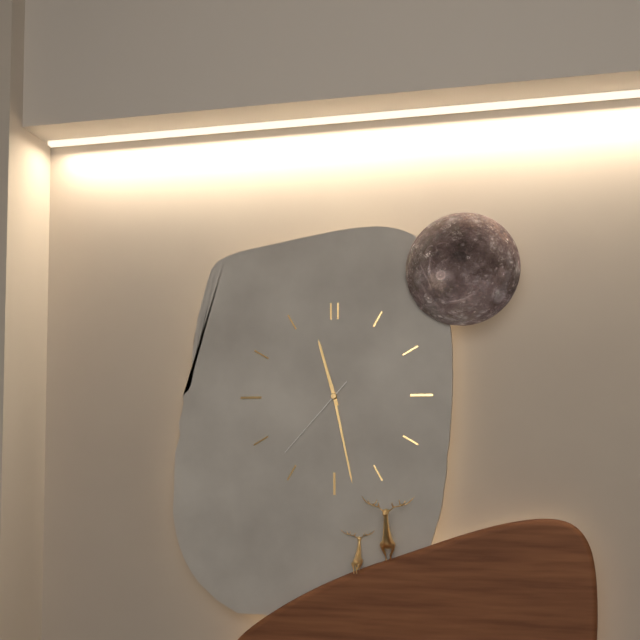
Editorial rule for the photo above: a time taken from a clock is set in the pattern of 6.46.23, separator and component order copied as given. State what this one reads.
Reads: 11.28.37
